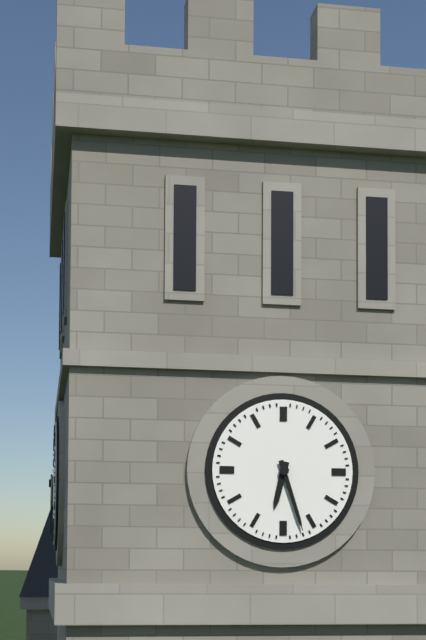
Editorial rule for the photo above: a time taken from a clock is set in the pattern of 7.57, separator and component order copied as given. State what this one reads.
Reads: 6.27
